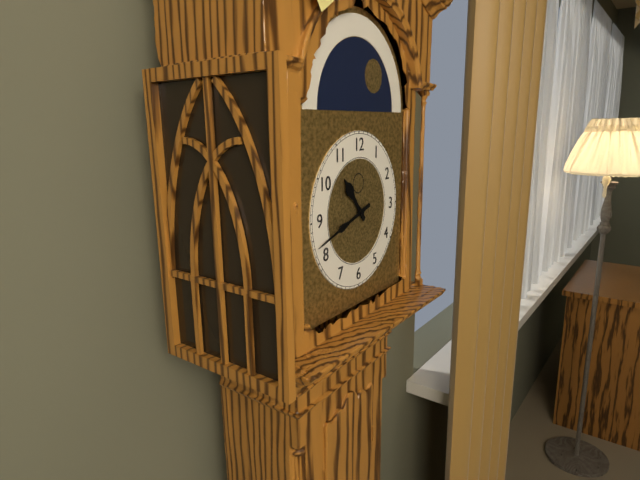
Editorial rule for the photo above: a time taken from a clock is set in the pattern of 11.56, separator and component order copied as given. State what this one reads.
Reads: 10.42
